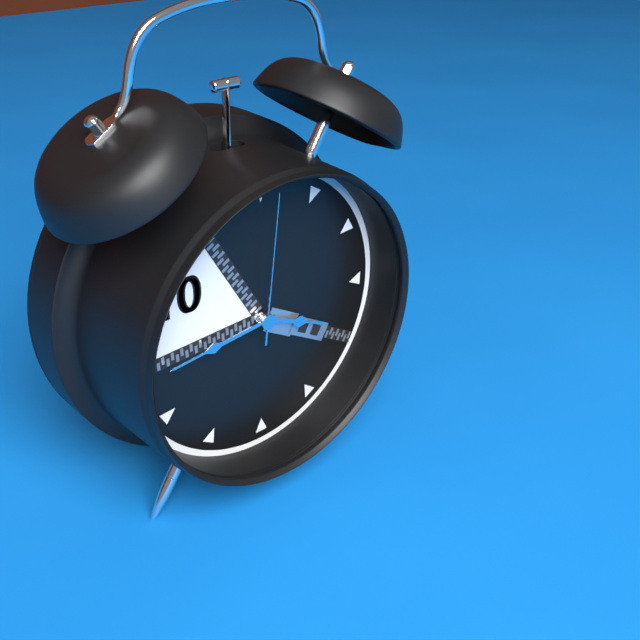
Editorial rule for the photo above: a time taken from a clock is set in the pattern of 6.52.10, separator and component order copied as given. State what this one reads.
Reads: 3.44.01
